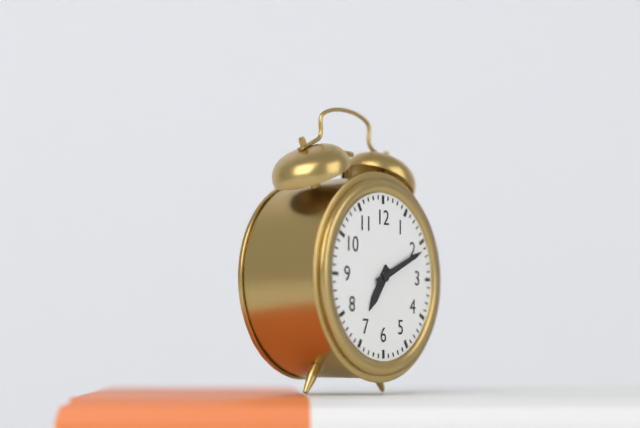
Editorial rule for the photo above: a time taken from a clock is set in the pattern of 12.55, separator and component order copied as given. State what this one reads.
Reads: 7.11
